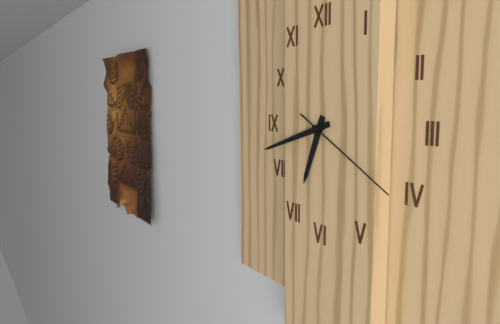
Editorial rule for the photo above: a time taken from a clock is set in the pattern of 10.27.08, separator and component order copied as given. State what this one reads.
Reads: 6.42.20
